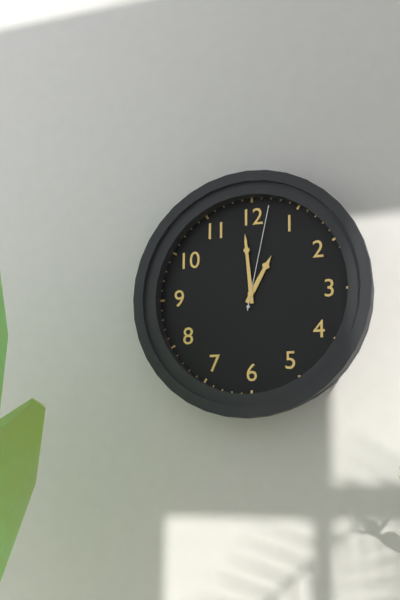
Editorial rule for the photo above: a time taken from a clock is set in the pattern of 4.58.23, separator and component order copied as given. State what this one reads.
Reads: 12.59.02
